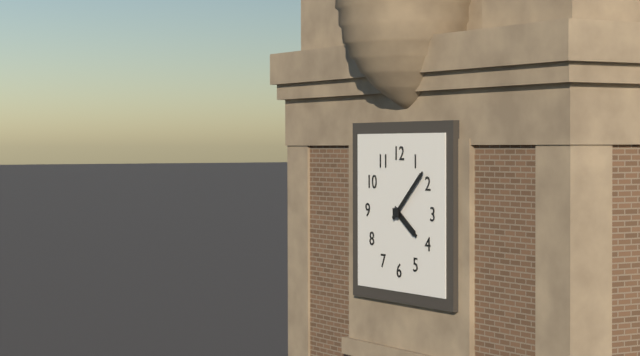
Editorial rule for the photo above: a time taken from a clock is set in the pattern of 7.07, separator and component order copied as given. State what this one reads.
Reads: 4.08
